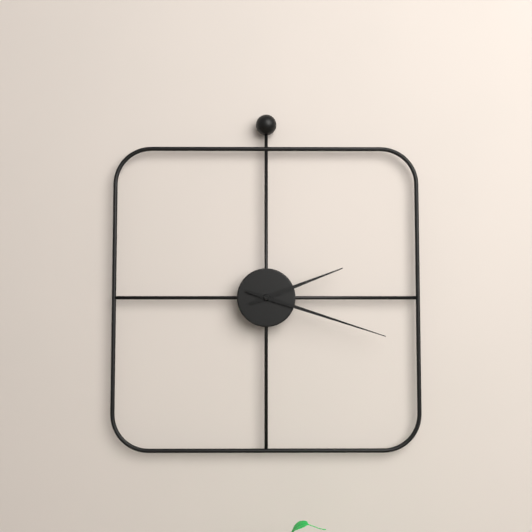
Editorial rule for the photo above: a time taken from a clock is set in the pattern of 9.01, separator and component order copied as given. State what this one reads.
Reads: 2.18
